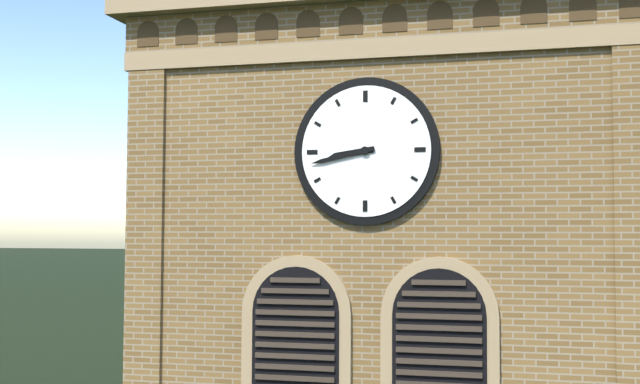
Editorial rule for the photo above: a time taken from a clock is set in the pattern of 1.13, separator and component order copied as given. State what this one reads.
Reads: 8.43
